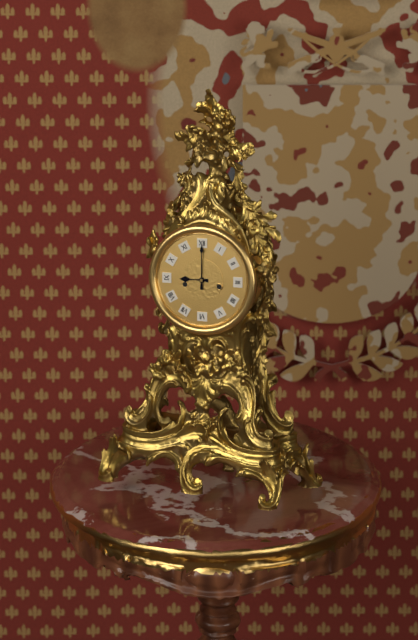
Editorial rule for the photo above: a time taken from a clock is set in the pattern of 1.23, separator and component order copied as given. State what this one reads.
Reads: 9.00
